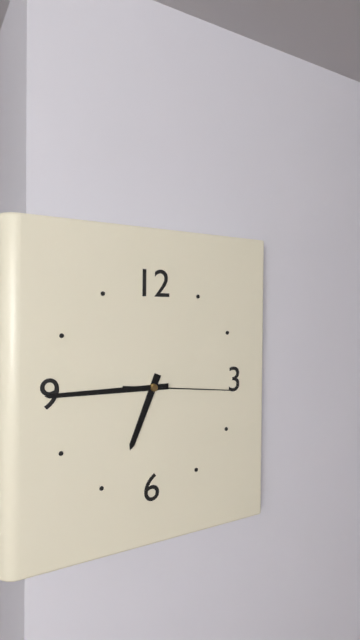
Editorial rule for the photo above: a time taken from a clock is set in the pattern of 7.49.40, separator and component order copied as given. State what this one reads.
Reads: 6.45.16
